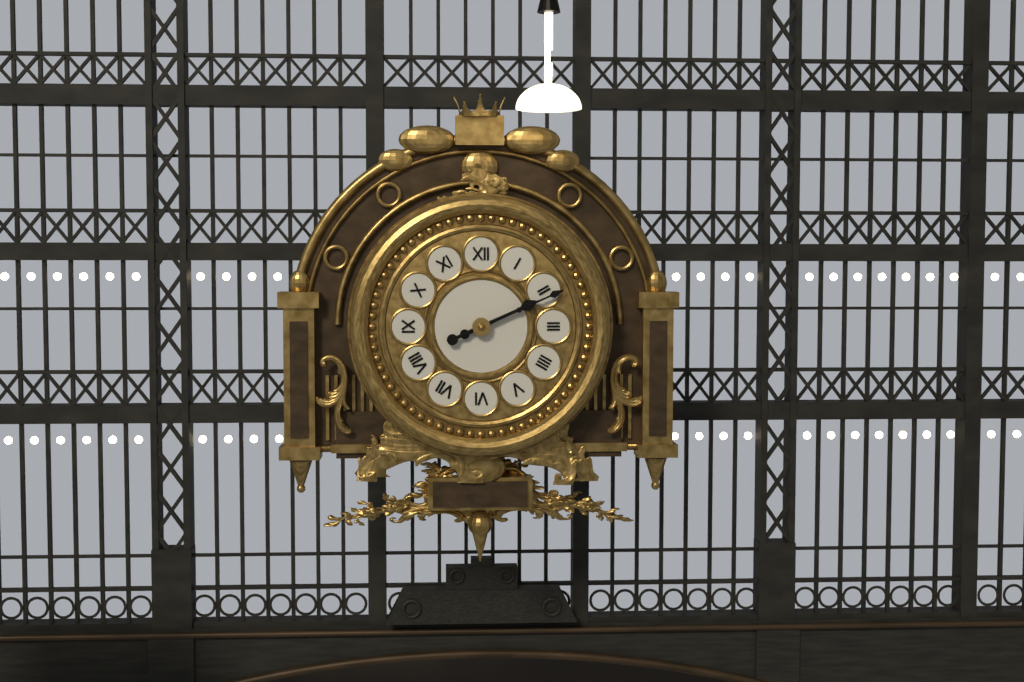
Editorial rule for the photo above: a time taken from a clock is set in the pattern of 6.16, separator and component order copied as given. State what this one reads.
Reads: 2.11
